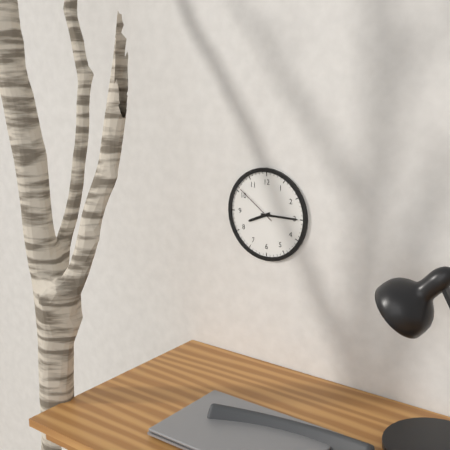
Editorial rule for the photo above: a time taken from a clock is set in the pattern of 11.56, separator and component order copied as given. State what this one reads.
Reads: 8.15
